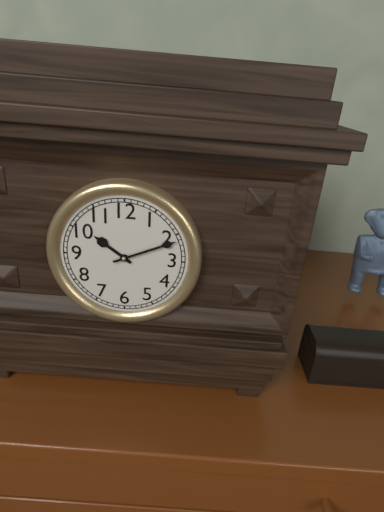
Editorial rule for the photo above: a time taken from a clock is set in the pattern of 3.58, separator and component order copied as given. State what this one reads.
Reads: 10.11
